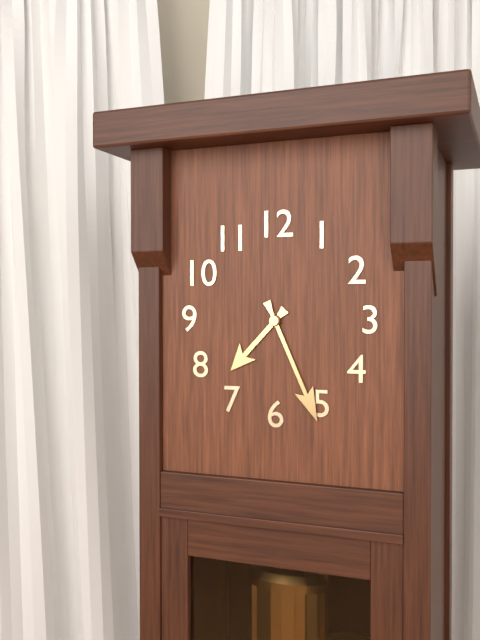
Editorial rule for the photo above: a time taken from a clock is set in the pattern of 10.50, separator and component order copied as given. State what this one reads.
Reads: 7.26
